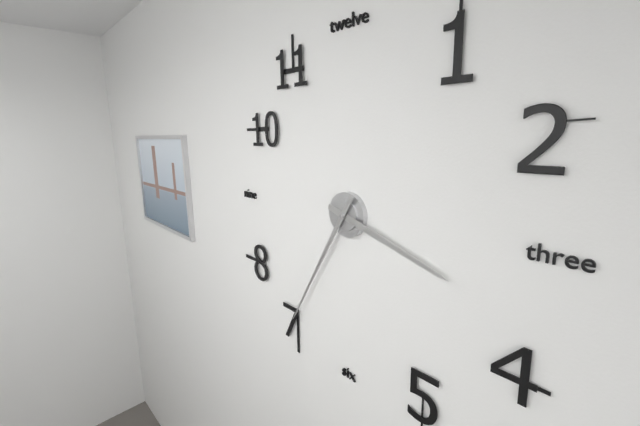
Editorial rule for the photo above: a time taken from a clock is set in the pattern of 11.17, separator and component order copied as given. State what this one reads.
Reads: 3.35
